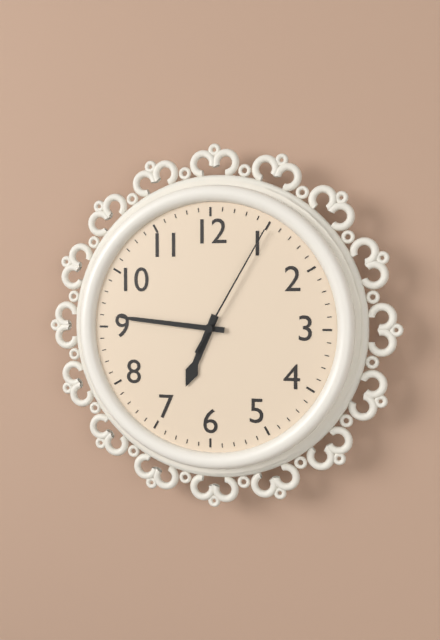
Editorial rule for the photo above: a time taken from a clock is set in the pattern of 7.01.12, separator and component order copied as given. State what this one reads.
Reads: 6.46.05
